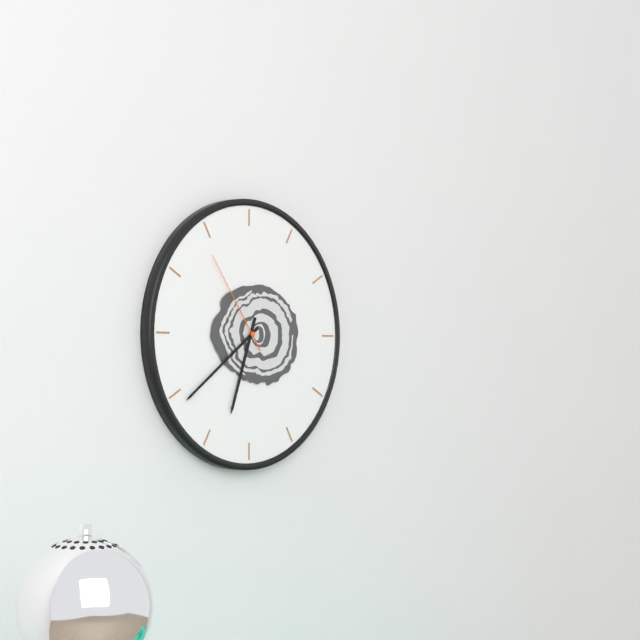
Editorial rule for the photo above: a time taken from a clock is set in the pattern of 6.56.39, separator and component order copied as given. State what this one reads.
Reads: 6.39.54
